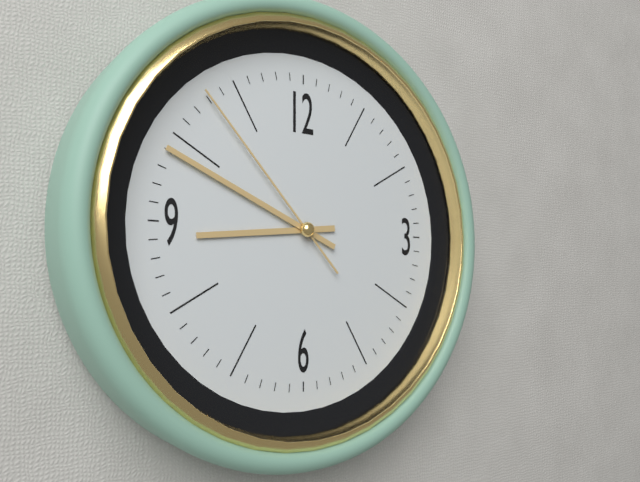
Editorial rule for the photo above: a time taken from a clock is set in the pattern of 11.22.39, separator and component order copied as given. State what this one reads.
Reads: 8.49.53
